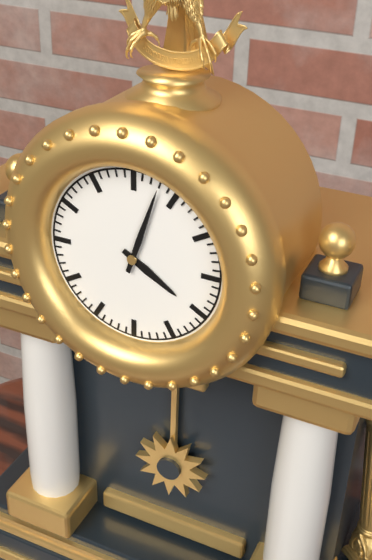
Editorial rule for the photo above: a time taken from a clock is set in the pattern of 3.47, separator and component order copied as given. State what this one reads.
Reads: 4.03
